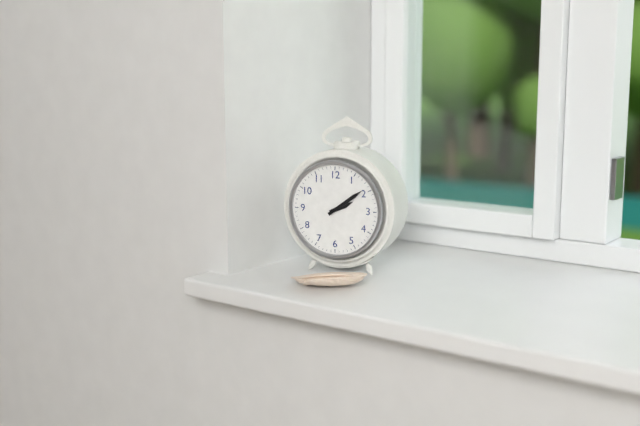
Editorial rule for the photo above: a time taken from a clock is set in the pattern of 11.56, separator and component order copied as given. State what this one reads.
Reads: 2.09
